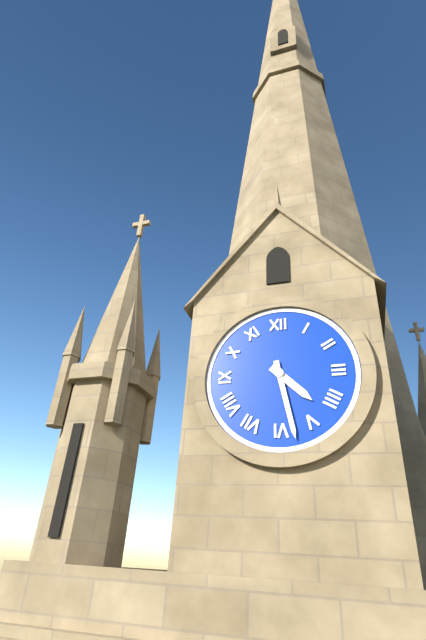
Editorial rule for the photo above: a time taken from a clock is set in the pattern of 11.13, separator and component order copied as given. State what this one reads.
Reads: 4.28
